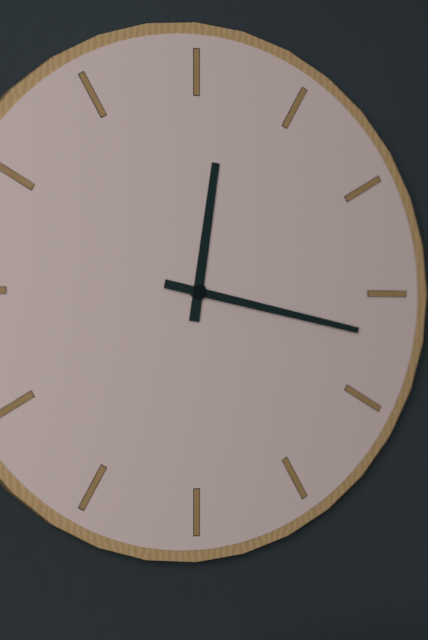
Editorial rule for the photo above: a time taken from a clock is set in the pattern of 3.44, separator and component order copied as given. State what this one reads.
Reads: 12.17
